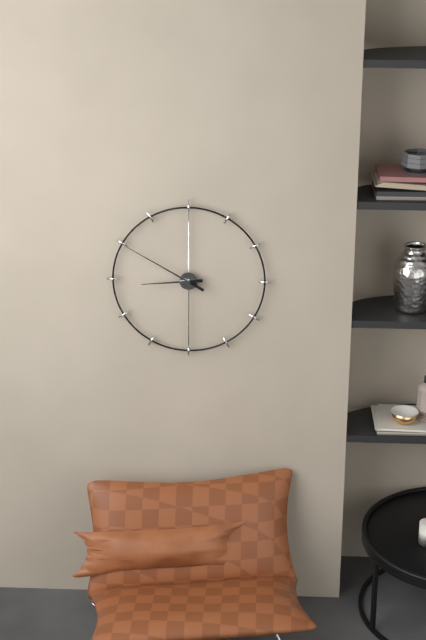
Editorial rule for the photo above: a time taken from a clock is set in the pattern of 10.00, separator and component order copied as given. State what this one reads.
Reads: 8.50
